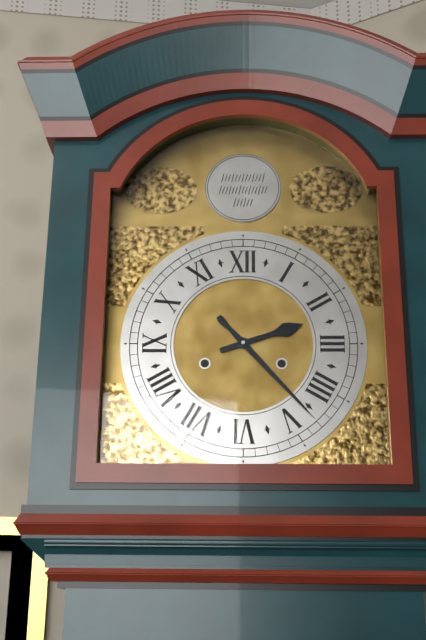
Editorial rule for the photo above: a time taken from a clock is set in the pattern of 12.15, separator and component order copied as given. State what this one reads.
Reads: 2.23
